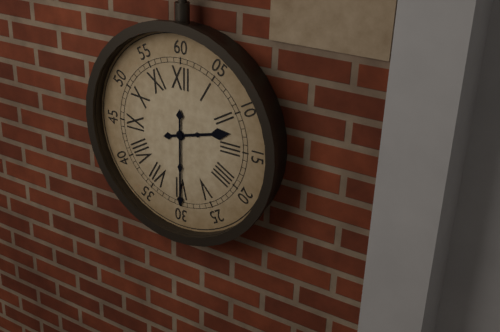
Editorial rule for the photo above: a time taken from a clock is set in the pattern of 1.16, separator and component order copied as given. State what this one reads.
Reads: 2.30
